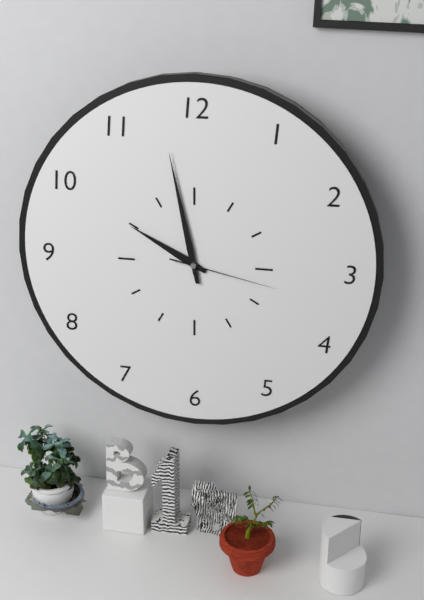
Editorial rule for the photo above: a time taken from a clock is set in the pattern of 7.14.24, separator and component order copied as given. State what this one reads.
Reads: 9.58.17
